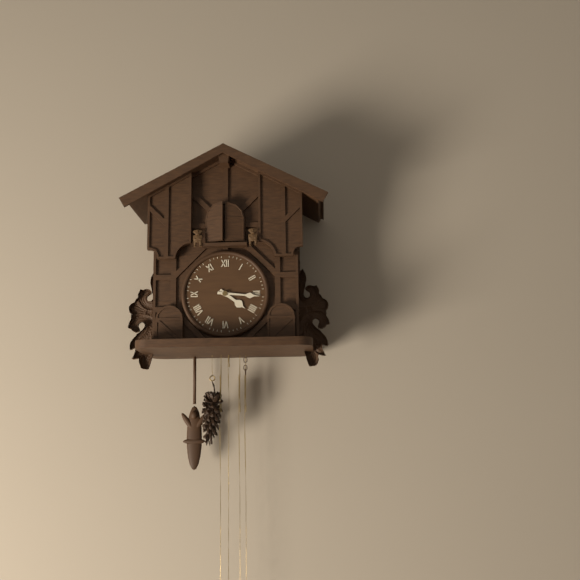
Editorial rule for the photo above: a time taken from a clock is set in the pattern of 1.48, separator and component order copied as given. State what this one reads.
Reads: 4.16
